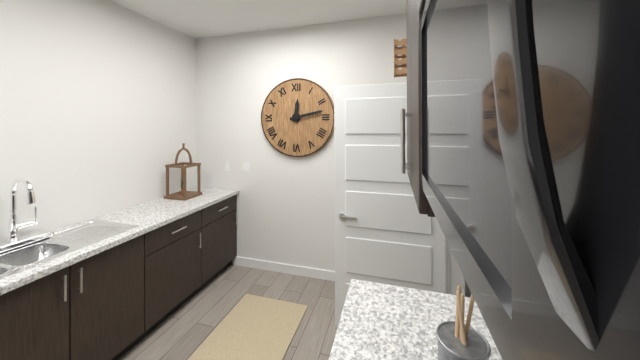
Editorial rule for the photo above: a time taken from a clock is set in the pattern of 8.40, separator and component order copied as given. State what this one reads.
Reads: 12.13
